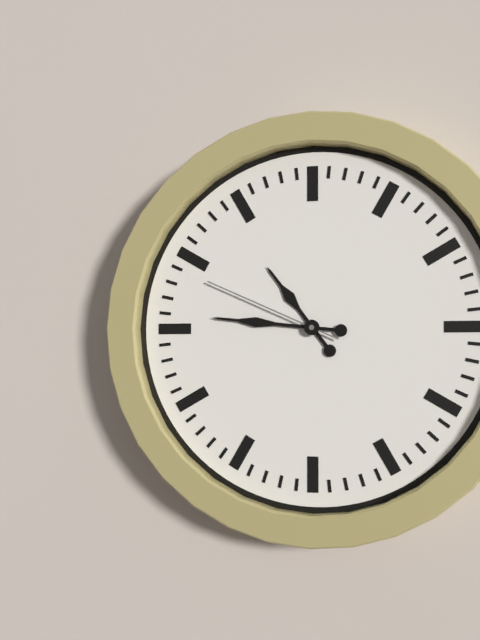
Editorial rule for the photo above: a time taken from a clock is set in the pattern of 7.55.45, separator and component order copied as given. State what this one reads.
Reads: 10.46.49
